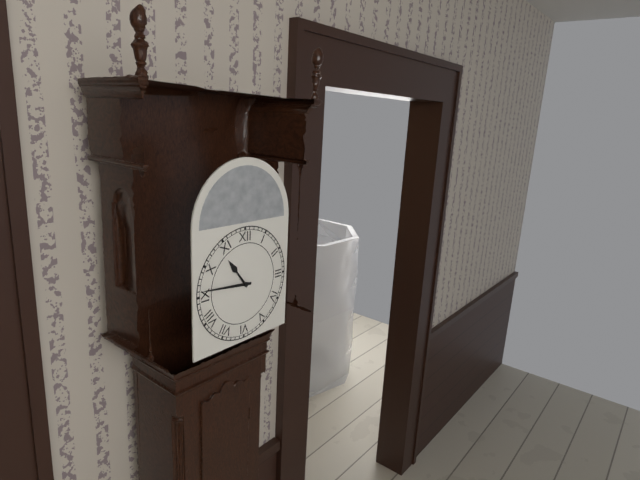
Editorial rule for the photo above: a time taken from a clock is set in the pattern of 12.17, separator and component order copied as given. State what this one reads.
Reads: 10.46
